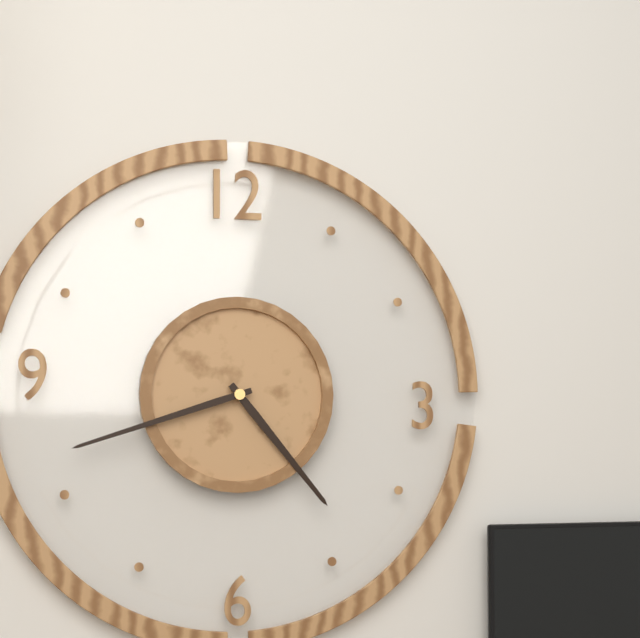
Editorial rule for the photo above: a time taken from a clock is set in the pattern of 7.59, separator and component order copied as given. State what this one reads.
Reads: 4.42
